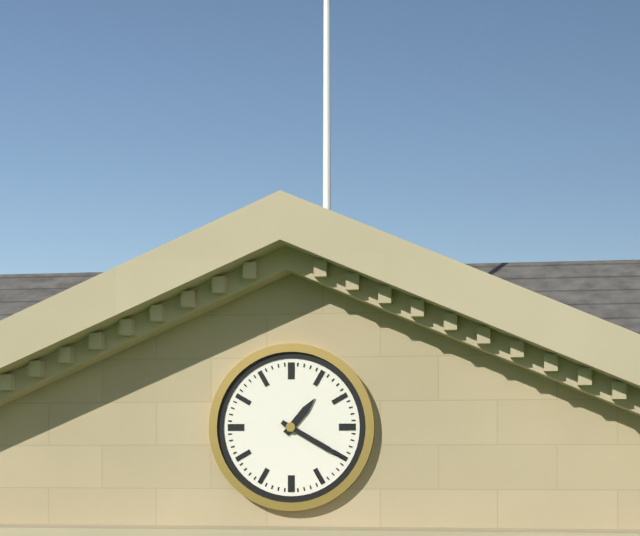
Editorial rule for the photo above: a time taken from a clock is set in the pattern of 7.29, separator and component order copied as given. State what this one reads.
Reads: 1.20
